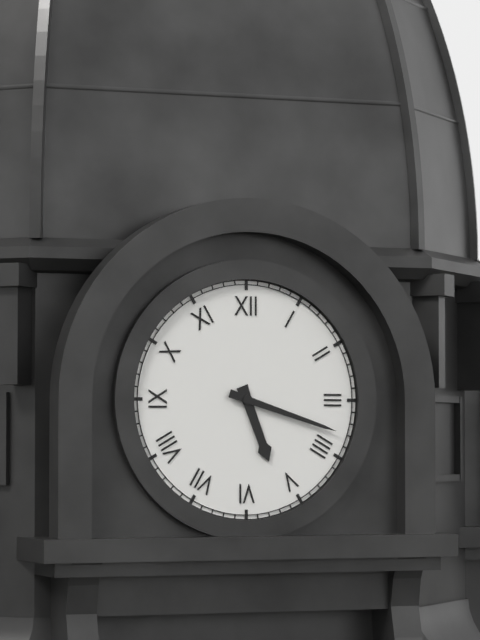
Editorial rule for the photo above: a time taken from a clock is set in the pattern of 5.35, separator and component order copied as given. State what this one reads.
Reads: 5.18
